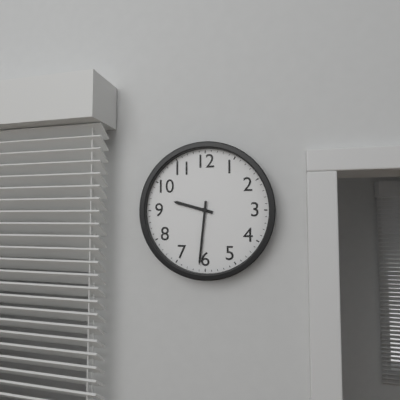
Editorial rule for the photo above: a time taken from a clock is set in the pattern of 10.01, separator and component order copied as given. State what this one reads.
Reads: 9.31
